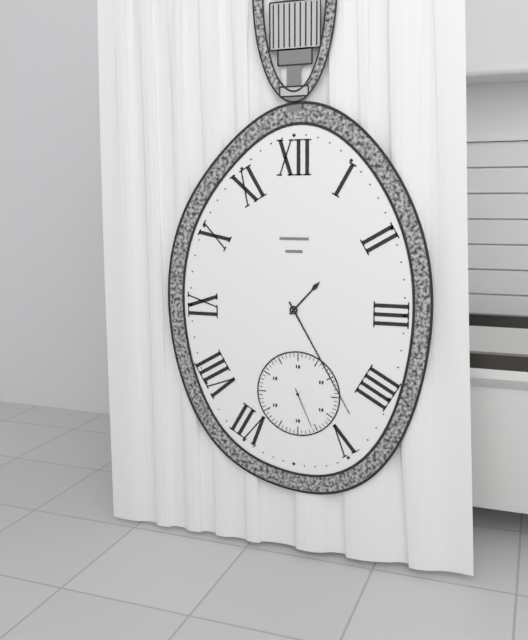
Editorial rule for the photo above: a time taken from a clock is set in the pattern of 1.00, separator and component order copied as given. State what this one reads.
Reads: 1.25
